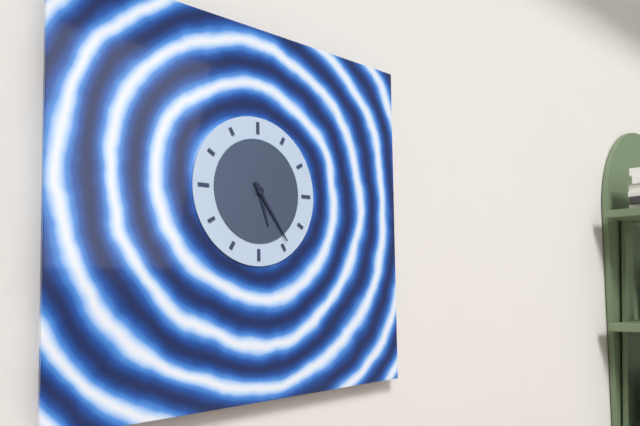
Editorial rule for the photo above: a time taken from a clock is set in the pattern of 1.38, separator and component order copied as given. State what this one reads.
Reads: 5.24
